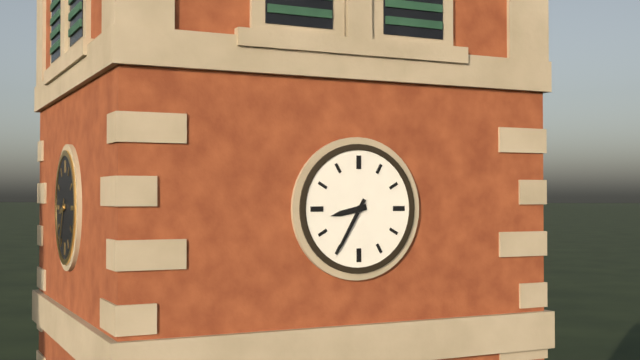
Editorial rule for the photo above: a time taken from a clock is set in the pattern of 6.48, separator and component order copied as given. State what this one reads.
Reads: 8.35
